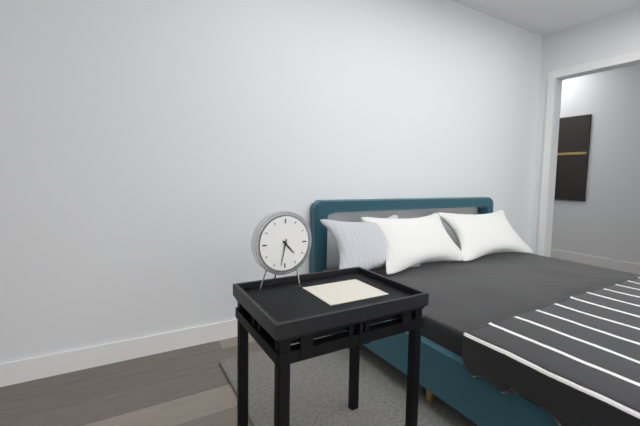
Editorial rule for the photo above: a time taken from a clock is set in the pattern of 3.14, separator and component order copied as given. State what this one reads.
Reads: 4.32
